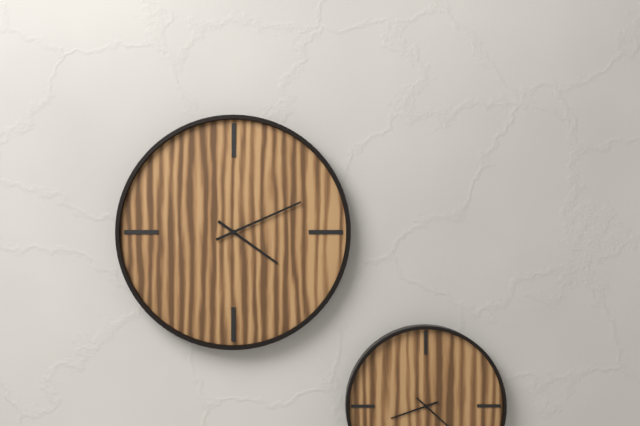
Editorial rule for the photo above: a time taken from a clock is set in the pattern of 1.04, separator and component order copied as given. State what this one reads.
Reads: 4.11
